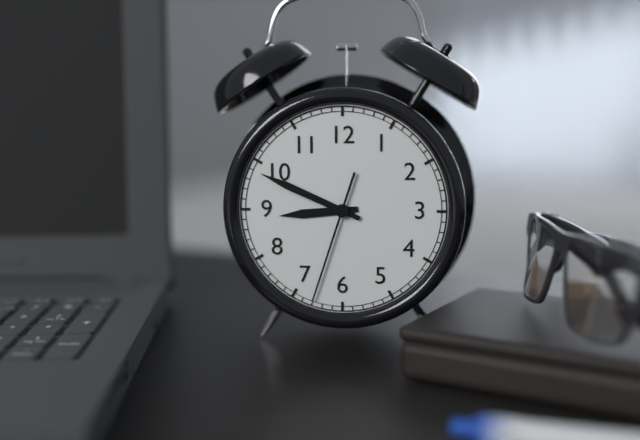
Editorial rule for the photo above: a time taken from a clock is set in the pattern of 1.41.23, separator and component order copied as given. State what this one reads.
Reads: 8.49.33
